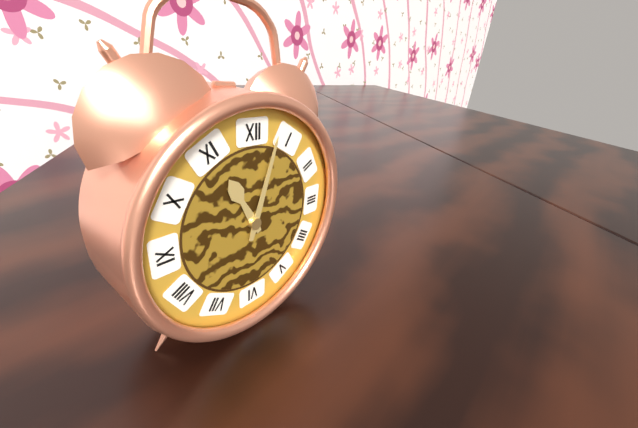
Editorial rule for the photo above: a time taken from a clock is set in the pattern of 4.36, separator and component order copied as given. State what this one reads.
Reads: 11.03
